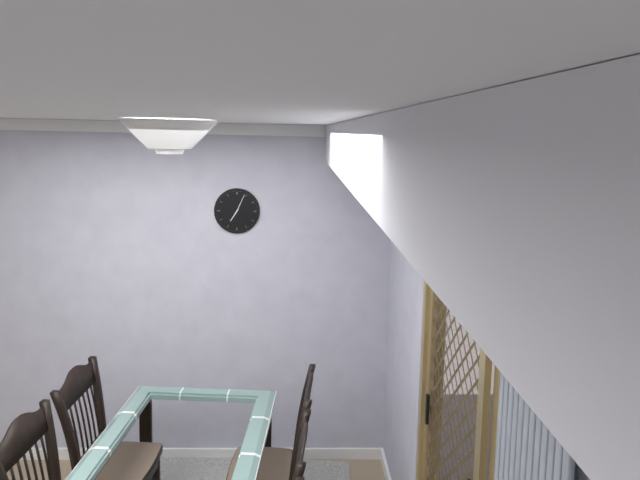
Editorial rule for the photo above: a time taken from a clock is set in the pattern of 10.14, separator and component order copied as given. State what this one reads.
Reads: 7.04
